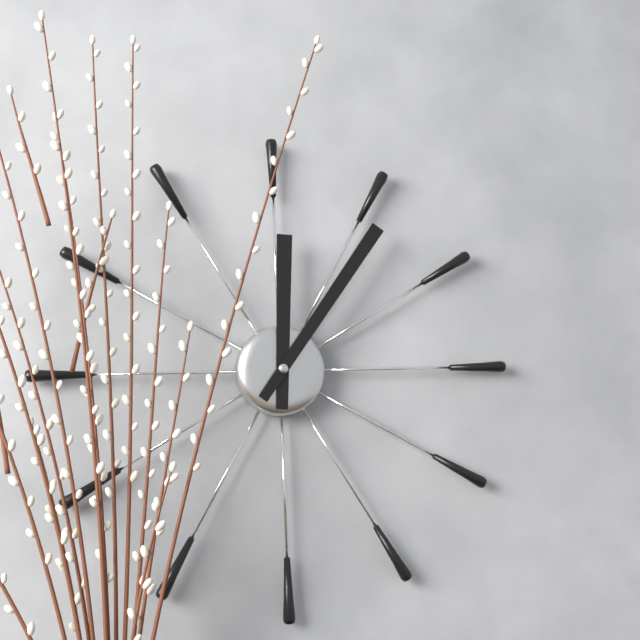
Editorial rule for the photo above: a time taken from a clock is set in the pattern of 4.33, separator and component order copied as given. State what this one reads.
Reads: 12.06
